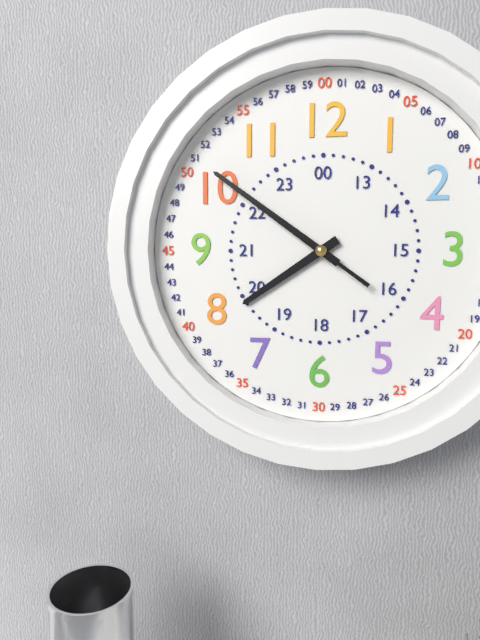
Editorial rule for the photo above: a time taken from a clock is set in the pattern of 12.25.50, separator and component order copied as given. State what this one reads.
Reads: 7.51.51
